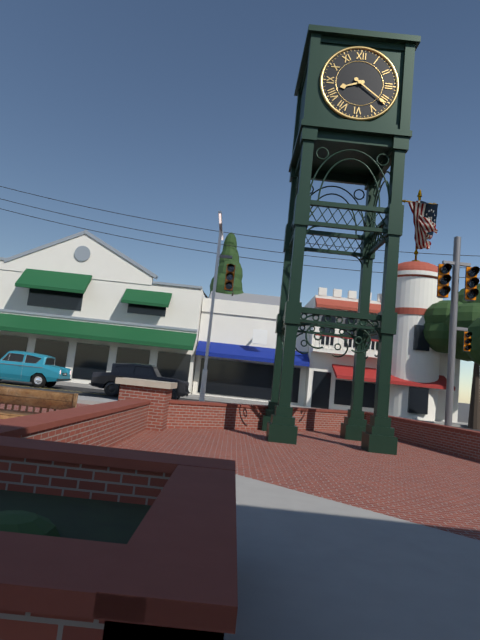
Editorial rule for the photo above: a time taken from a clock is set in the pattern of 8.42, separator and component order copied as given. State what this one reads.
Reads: 8.21
